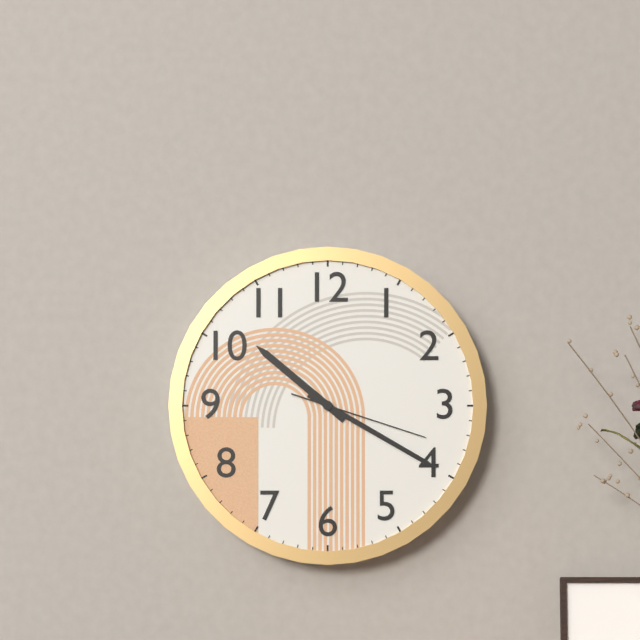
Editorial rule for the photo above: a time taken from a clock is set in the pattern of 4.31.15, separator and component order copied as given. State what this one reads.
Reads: 10.20.18
